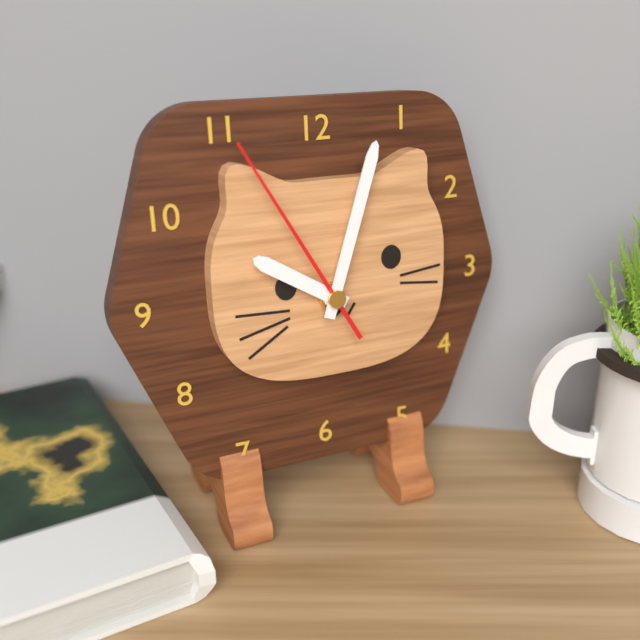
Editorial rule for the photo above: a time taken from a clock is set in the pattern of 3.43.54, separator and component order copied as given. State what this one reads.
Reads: 10.03.55
